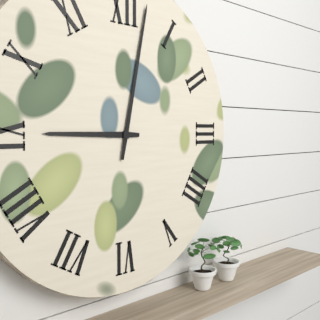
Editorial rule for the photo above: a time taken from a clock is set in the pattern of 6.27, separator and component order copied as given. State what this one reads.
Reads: 9.02
